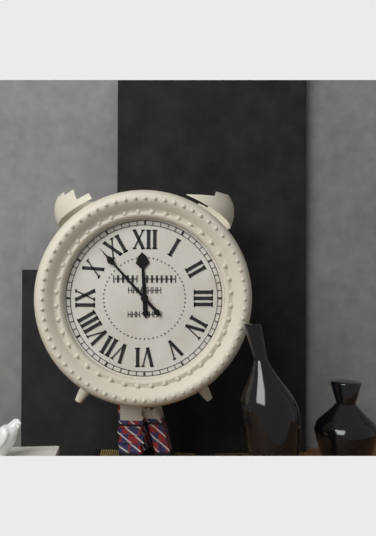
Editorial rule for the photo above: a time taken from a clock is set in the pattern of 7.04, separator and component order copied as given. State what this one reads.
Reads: 11.53
